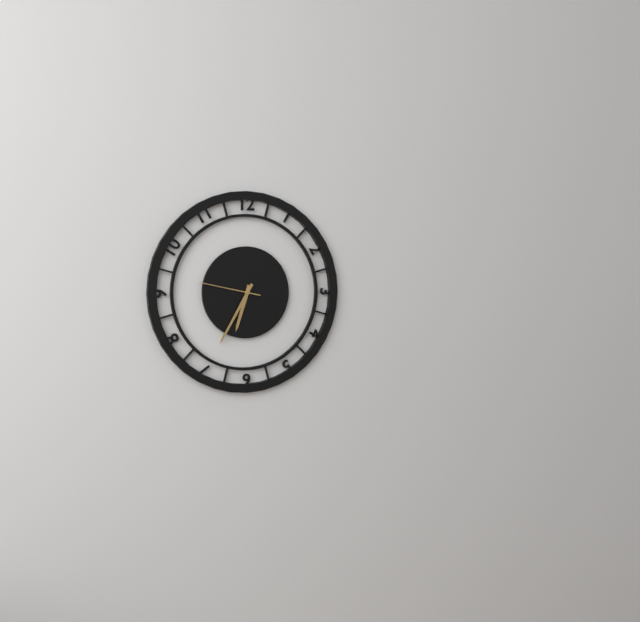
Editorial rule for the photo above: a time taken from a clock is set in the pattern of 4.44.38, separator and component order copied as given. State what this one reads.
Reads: 6.35.47
